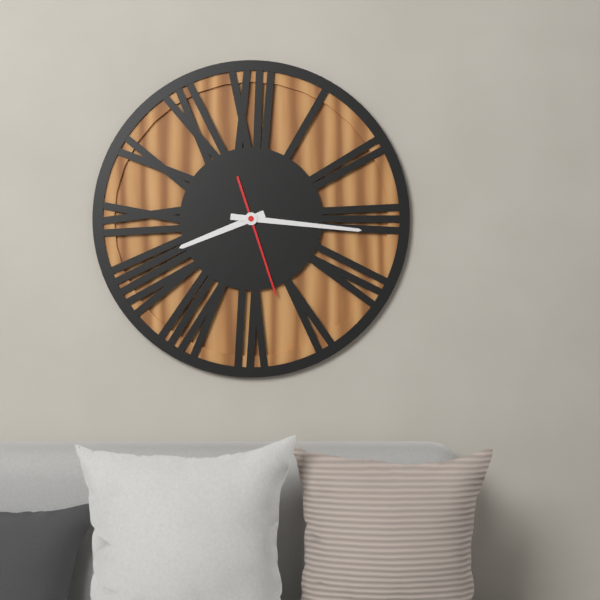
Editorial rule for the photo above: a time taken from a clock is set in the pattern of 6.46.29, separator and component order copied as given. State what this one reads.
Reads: 8.16.27
